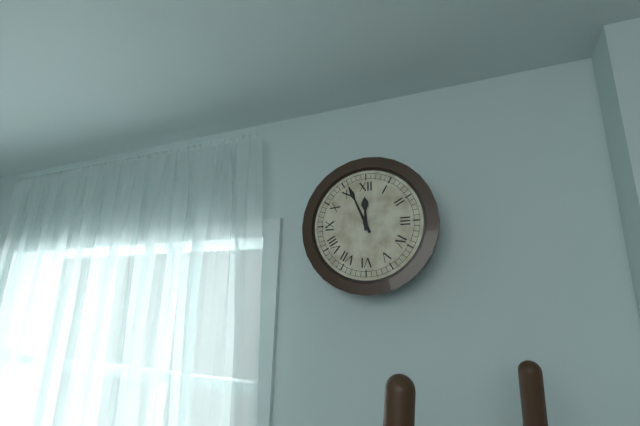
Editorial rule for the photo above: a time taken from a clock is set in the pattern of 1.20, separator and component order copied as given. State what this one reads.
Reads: 11.56
